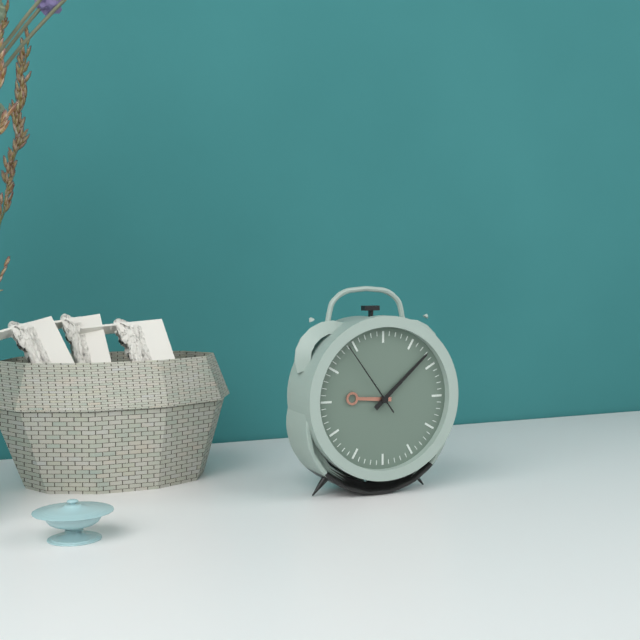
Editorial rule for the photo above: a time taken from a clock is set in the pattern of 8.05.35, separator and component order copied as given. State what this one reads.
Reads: 9.08.54
